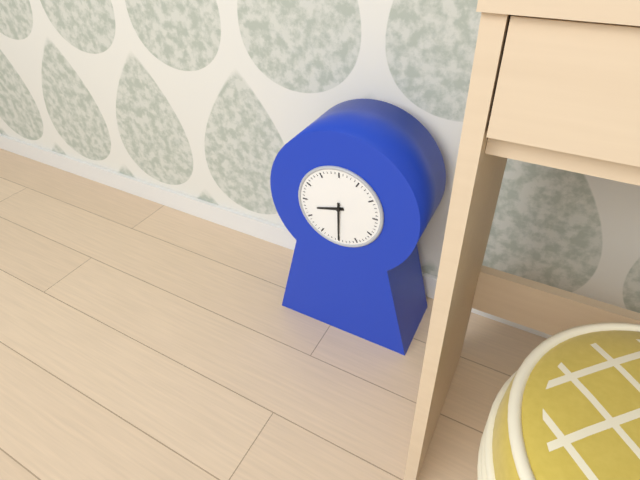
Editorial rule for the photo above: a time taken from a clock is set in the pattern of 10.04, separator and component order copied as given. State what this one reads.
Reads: 8.30
